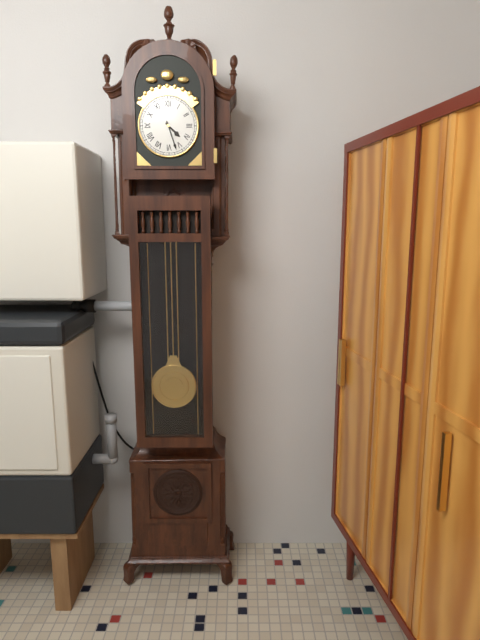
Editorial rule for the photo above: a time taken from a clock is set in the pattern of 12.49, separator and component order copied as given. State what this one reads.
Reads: 4.27
